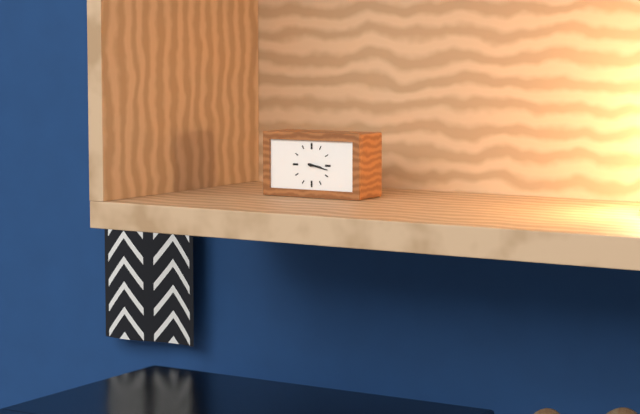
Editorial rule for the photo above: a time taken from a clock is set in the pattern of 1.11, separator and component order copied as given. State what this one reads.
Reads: 3.17
